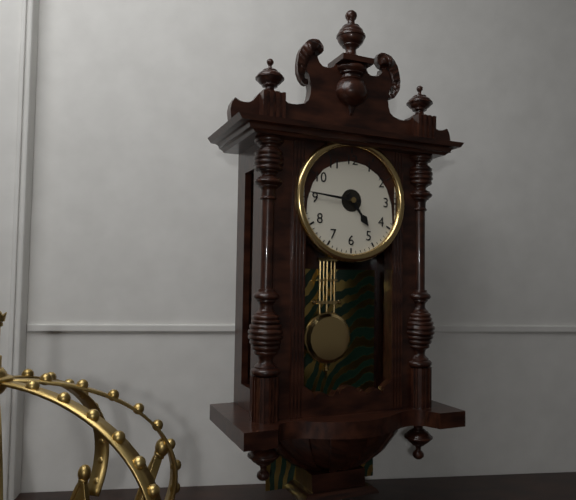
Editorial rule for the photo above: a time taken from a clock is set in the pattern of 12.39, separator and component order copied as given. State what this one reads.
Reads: 4.46
